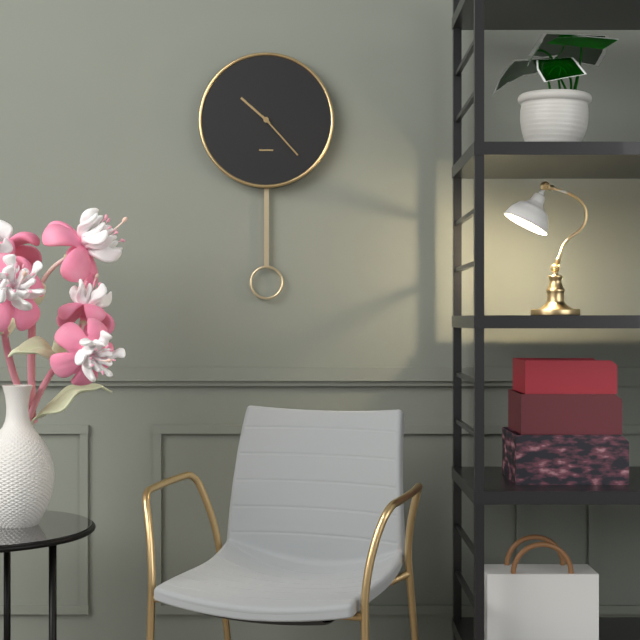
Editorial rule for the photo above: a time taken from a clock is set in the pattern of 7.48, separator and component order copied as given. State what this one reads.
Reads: 10.23
